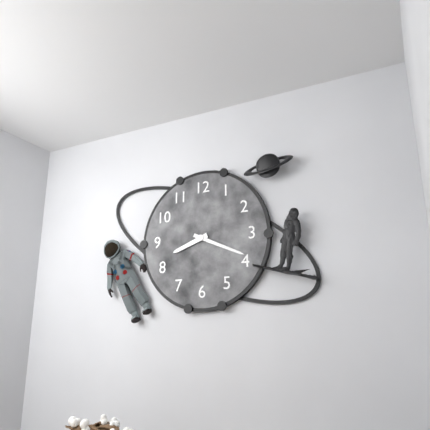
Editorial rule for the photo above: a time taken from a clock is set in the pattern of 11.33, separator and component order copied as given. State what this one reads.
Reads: 8.19
